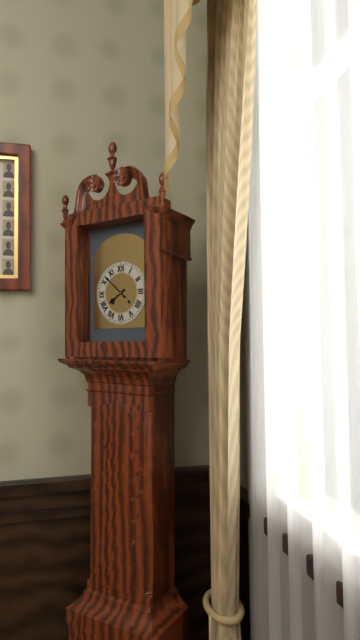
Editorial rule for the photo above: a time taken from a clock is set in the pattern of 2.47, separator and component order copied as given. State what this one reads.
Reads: 7.52
